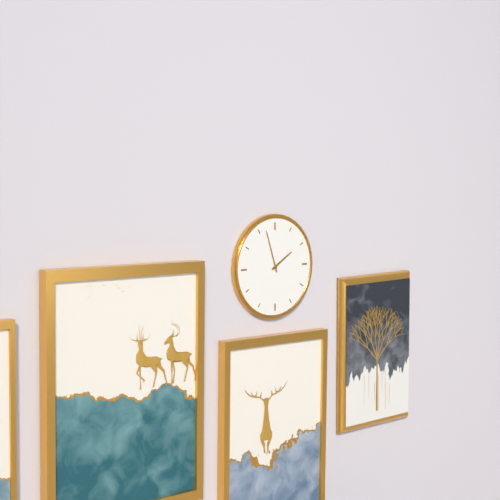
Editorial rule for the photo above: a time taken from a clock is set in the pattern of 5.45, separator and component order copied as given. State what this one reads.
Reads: 1.57
